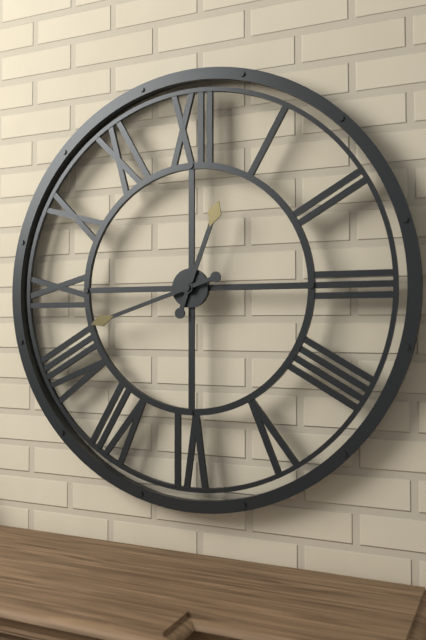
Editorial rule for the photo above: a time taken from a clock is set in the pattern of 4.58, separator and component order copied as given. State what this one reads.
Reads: 12.42
